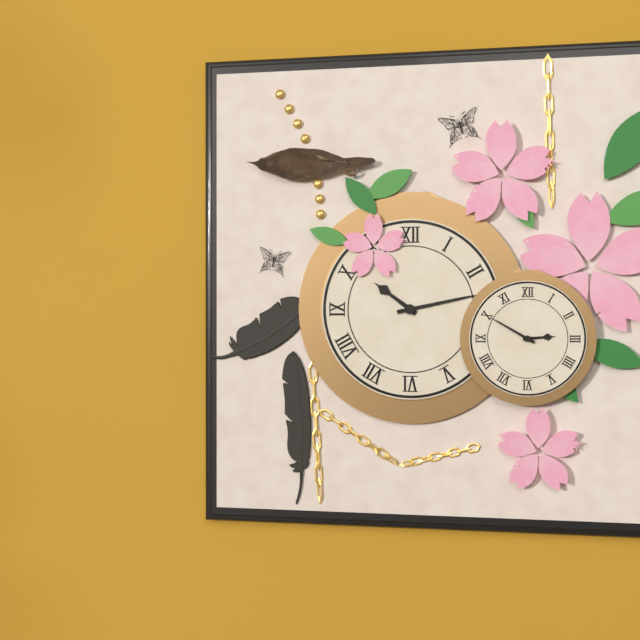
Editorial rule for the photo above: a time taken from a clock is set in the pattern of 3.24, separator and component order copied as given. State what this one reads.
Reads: 10.13
